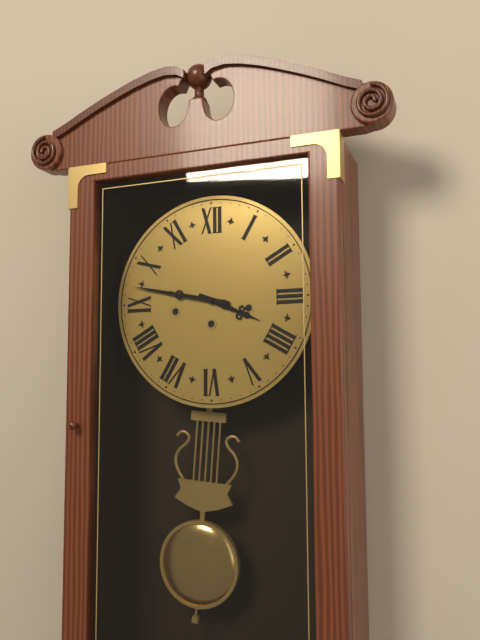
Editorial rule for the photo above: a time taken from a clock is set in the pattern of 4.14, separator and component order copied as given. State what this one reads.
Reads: 3.47
